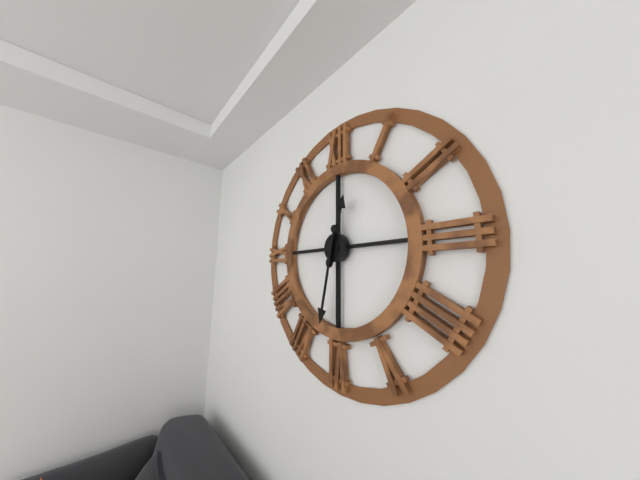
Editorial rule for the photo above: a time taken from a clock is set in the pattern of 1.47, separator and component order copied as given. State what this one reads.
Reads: 12.32
